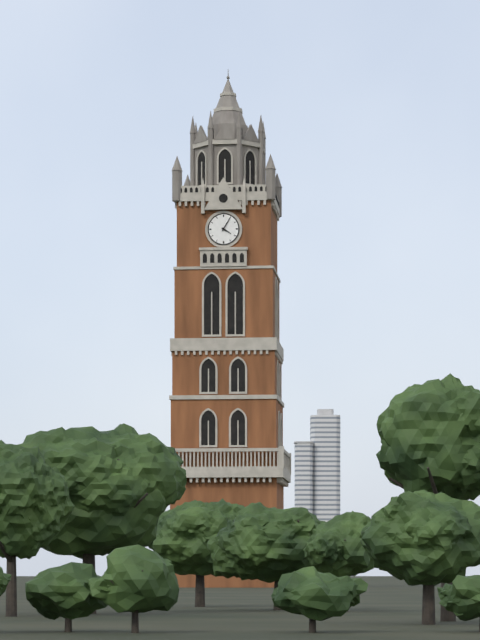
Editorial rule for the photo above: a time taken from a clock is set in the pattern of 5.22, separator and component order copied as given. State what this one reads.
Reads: 4.05
